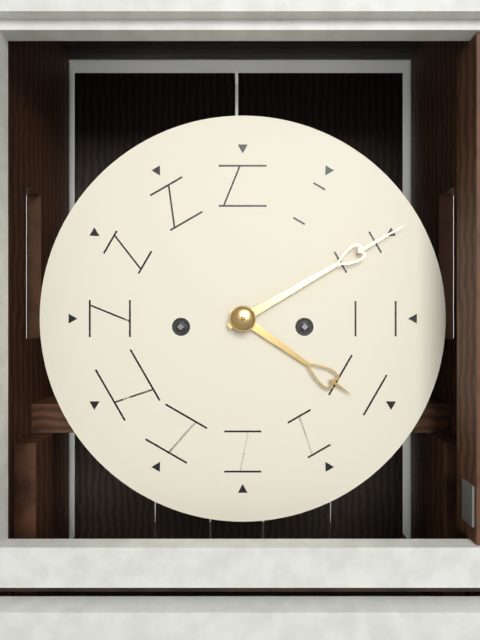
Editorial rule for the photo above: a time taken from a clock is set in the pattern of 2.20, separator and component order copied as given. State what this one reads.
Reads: 4.10
